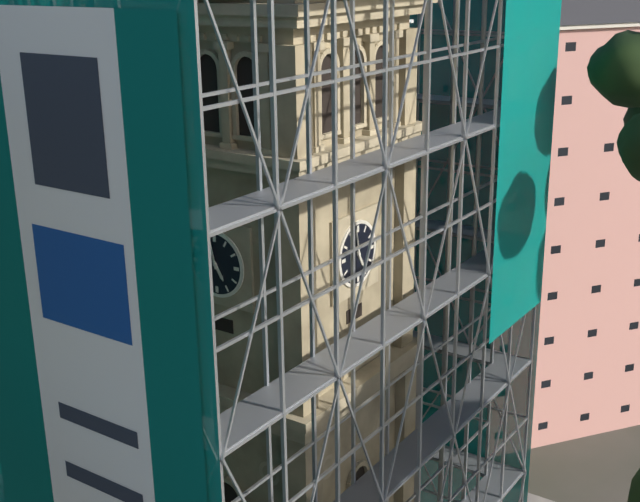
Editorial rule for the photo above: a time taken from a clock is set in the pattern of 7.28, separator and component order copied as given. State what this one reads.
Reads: 4.58
